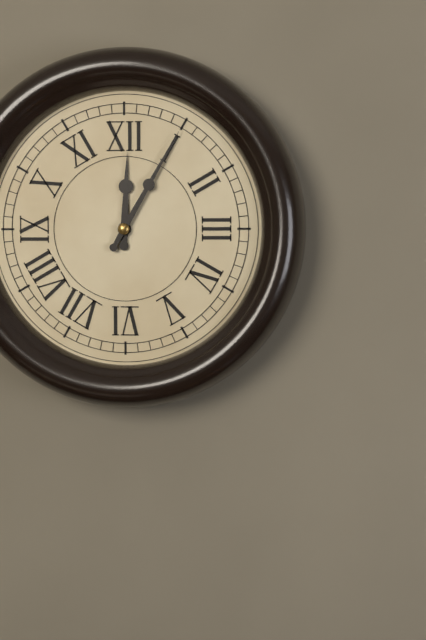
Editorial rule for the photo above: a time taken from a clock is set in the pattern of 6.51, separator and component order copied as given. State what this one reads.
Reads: 12.05
